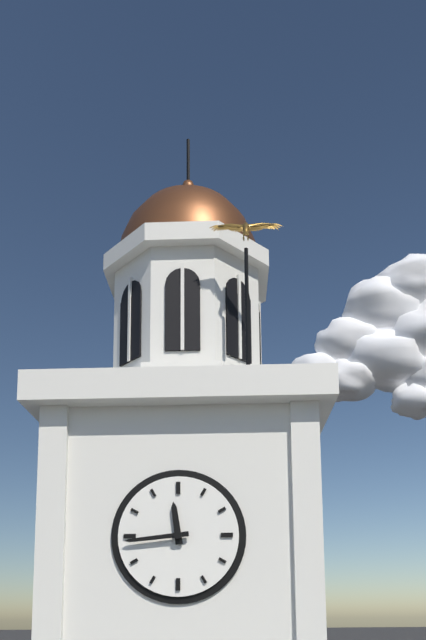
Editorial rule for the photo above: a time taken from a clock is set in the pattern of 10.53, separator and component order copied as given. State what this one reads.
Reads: 11.44
